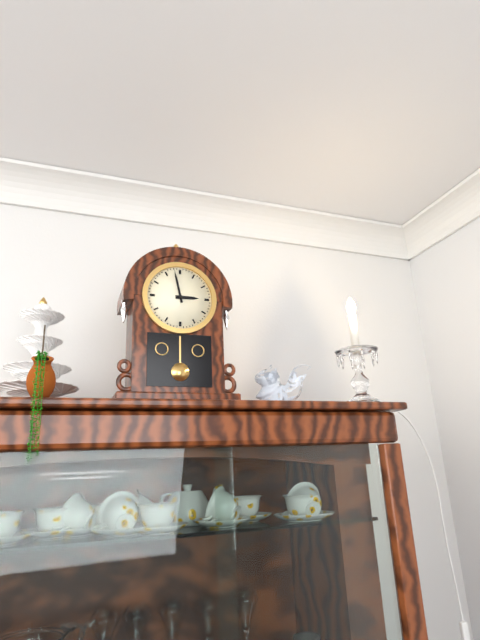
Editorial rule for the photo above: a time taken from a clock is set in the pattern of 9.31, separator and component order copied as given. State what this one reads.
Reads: 2.58
